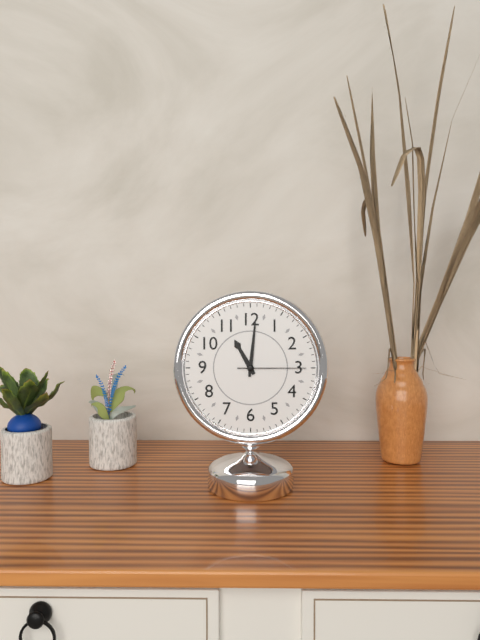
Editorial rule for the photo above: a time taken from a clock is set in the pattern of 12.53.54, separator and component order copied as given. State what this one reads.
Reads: 11.01.15
